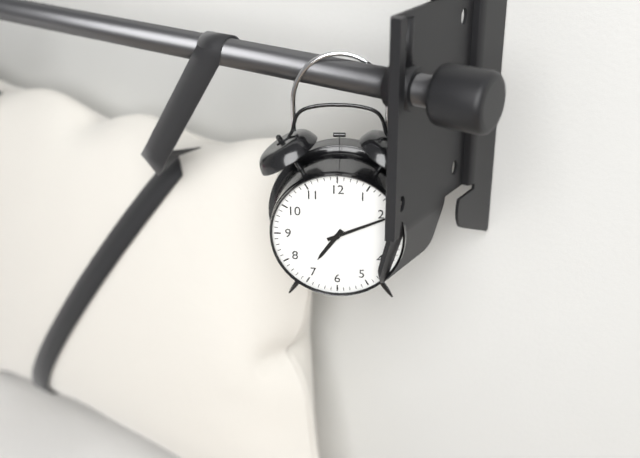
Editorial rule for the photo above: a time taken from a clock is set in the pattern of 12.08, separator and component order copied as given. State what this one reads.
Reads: 7.11
